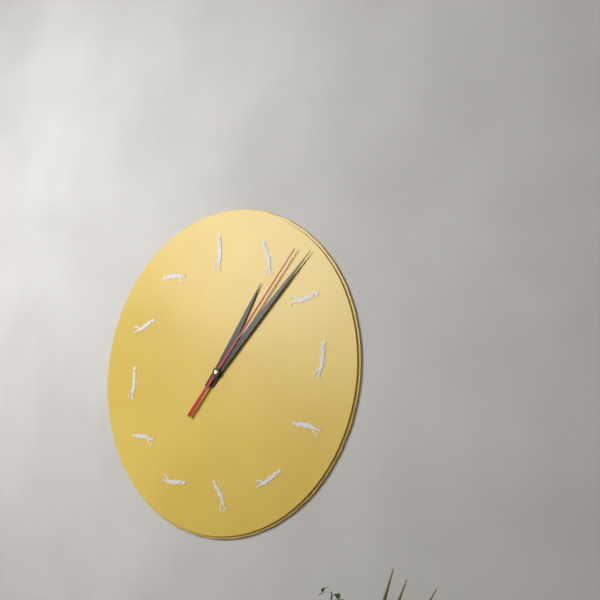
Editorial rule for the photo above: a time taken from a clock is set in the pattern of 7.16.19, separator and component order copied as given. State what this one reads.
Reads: 1.08.07
